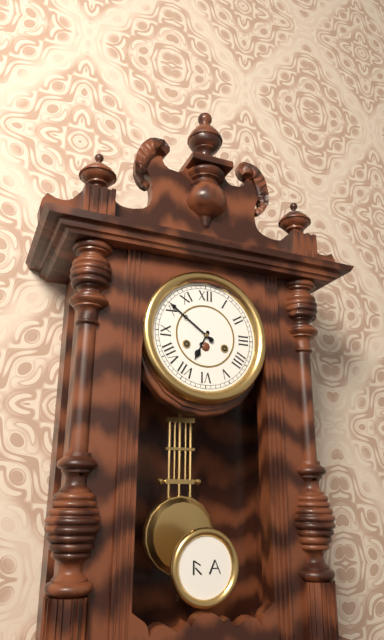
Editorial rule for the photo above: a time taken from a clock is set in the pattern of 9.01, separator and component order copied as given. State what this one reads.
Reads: 6.51
